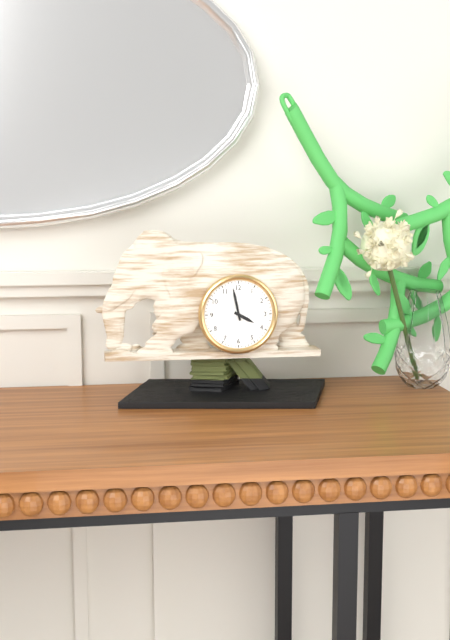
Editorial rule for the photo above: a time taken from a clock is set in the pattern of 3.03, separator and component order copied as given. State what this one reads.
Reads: 3.58
